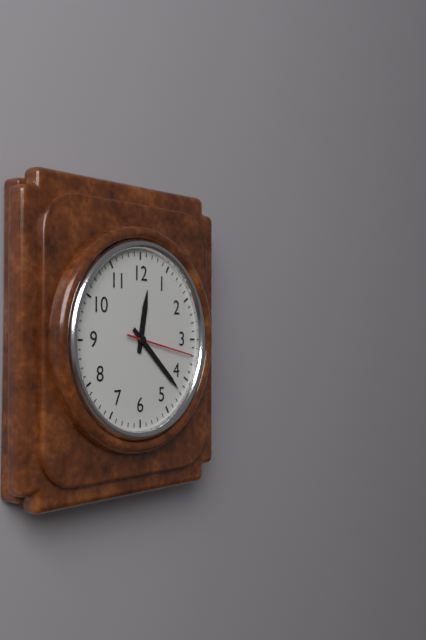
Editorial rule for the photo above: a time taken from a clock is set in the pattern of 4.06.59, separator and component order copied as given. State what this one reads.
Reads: 12.22.17
